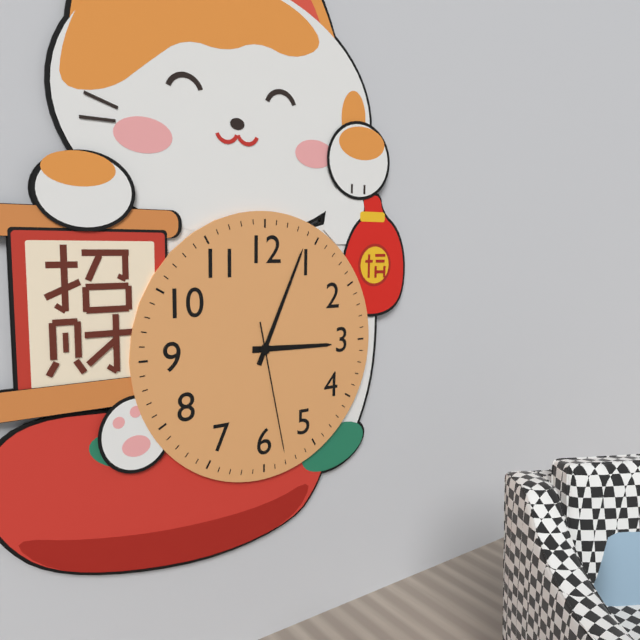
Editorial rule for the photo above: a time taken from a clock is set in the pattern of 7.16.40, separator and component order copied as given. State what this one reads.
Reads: 3.04.28
